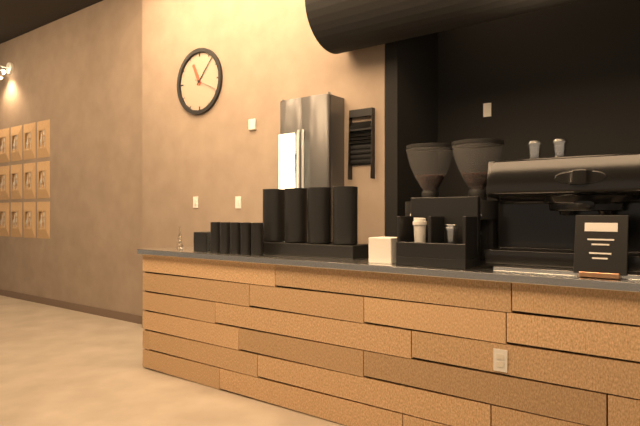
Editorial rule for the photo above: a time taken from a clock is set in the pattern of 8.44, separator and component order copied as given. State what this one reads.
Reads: 11.07
